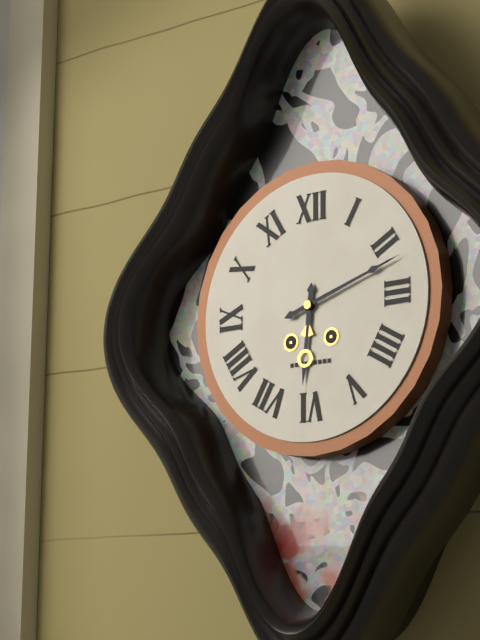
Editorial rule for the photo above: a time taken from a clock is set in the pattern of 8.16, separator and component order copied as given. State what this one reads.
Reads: 6.12
